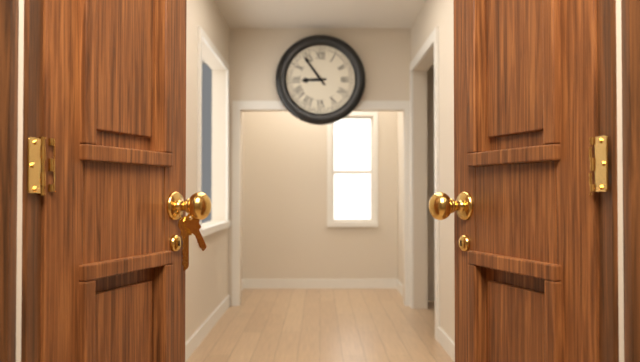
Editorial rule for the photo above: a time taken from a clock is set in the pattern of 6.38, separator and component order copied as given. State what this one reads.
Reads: 8.54
